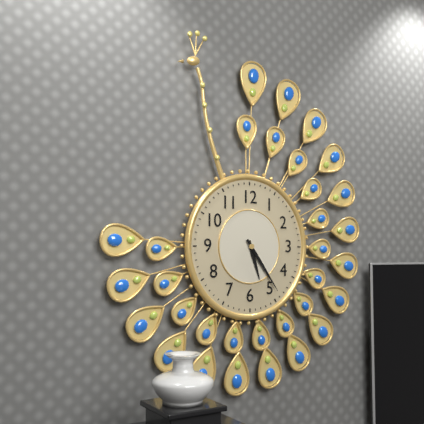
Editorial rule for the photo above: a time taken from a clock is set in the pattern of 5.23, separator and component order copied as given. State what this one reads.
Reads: 5.24
